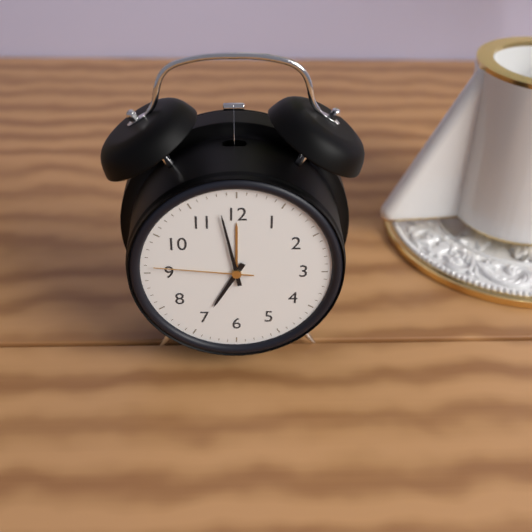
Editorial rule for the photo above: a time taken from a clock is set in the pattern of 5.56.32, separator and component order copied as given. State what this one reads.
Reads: 6.58.46
